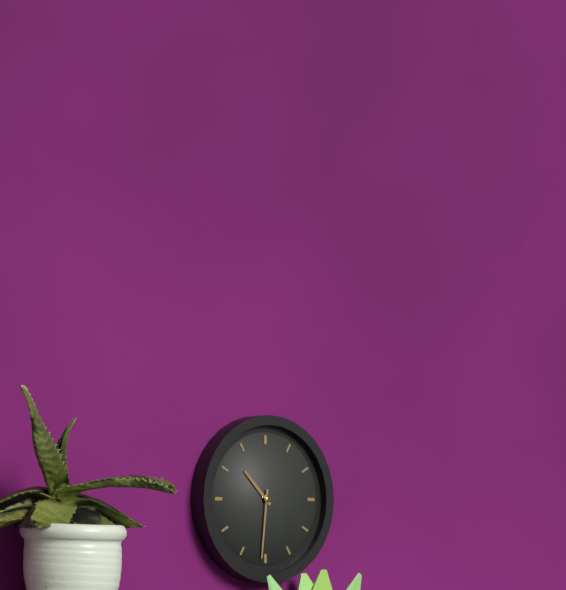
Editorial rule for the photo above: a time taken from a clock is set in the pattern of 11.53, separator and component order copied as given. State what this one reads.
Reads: 10.31
